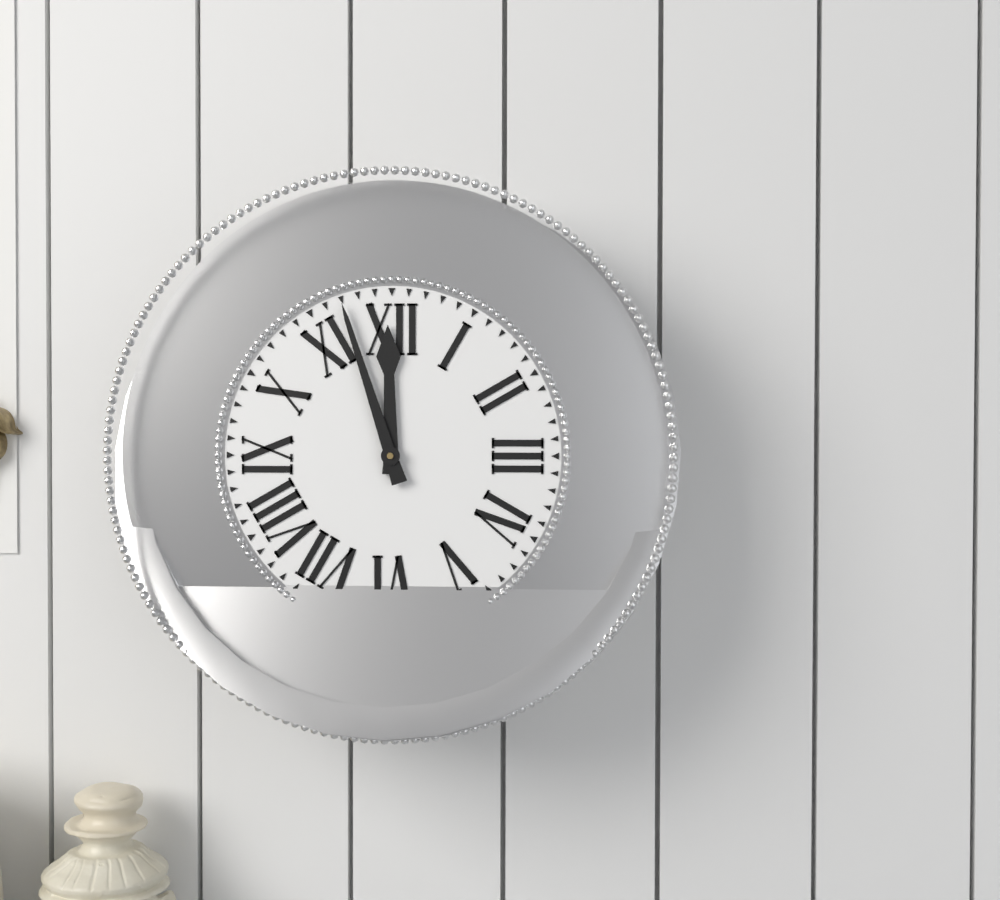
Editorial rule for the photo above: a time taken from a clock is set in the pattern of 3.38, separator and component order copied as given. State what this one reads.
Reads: 11.57
